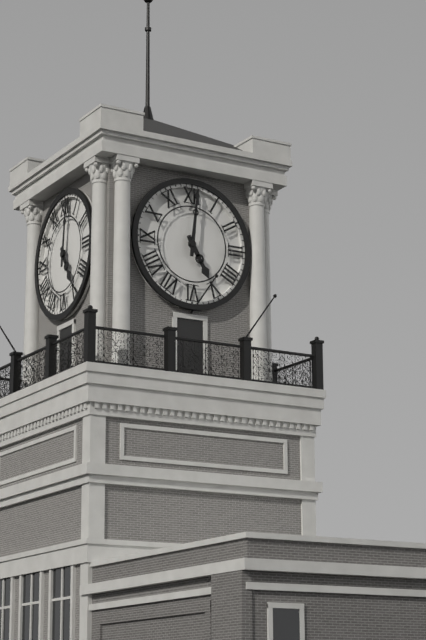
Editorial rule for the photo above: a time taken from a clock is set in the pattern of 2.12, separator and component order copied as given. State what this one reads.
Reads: 5.01
